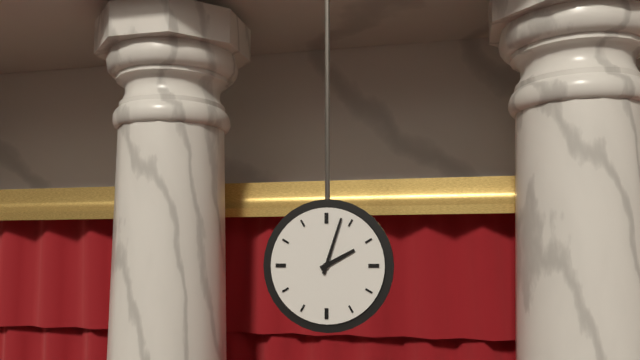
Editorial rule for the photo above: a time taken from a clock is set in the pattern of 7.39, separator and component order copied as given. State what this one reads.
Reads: 2.03
